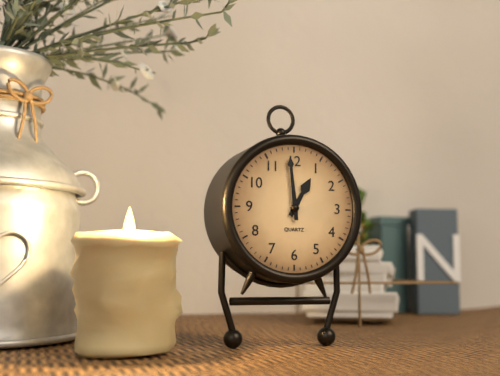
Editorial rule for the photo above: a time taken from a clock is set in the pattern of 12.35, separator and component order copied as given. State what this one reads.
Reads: 12.59
